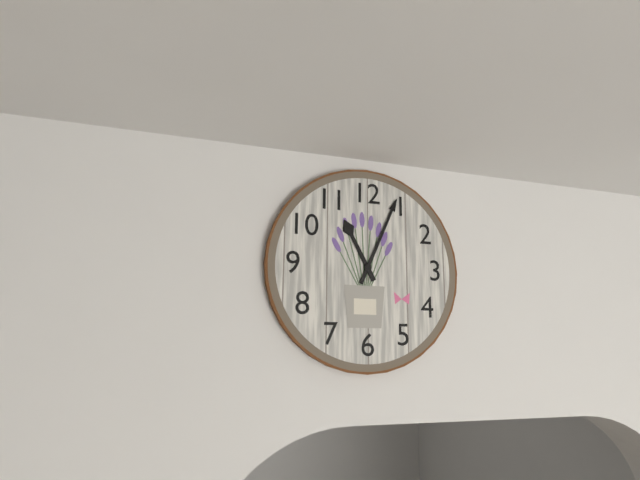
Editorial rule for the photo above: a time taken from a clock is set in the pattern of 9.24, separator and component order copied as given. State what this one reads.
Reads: 11.04
